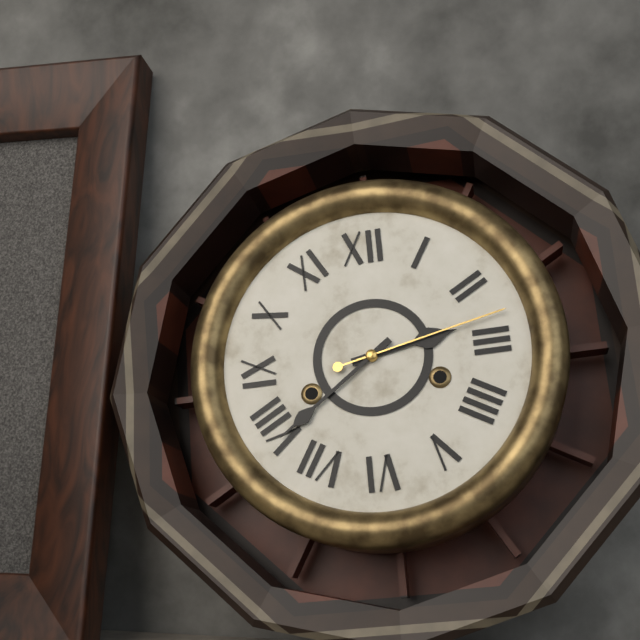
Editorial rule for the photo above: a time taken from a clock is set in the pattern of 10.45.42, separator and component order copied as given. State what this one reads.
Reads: 2.39.13
